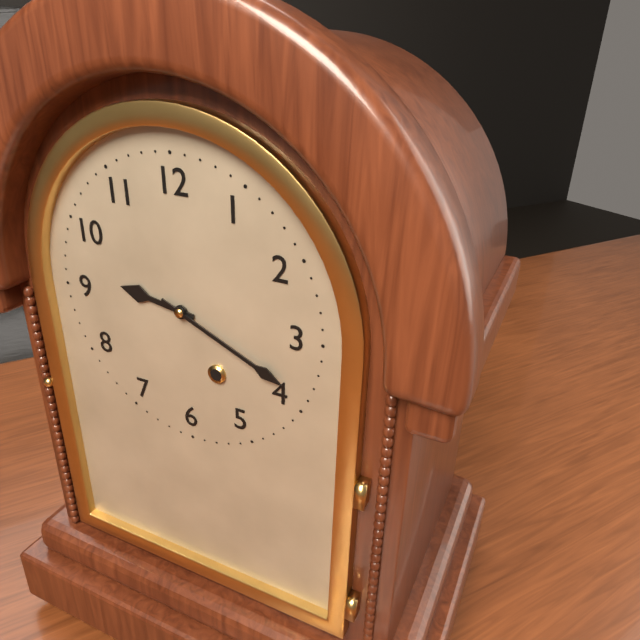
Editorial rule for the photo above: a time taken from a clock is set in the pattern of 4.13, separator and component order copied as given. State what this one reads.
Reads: 9.19
